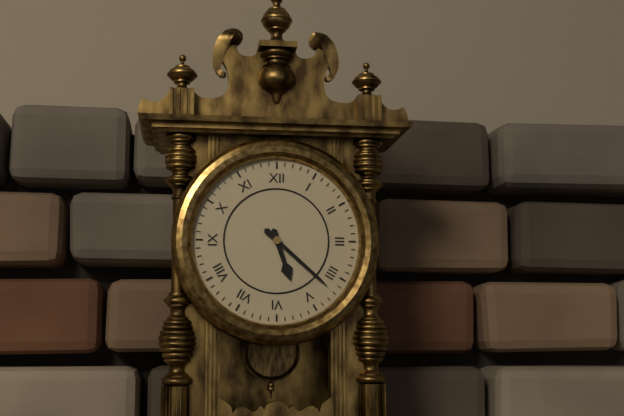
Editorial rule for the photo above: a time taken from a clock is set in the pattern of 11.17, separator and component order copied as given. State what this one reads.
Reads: 5.22
